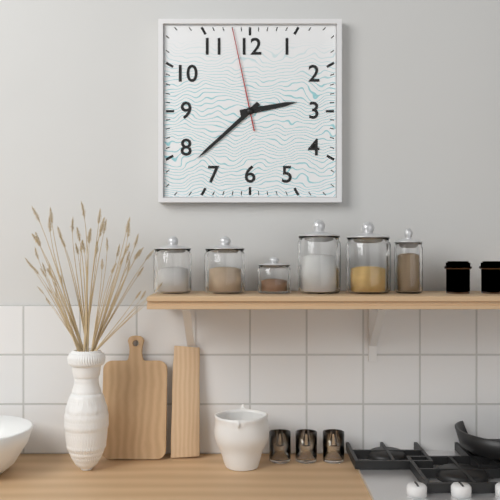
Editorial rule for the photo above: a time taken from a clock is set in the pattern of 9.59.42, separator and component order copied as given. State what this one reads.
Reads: 2.38.58
